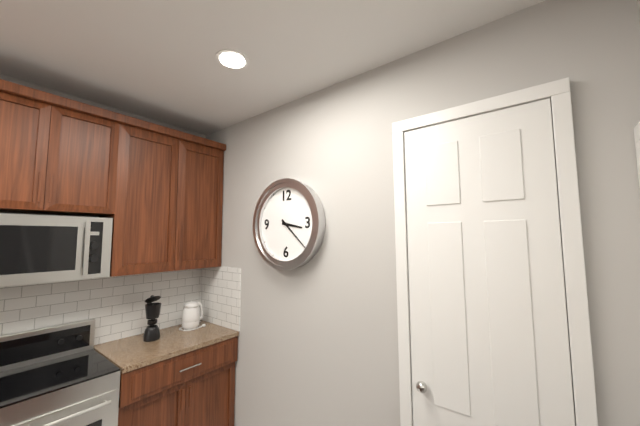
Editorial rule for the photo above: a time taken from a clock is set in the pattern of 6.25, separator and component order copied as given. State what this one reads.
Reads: 3.22
